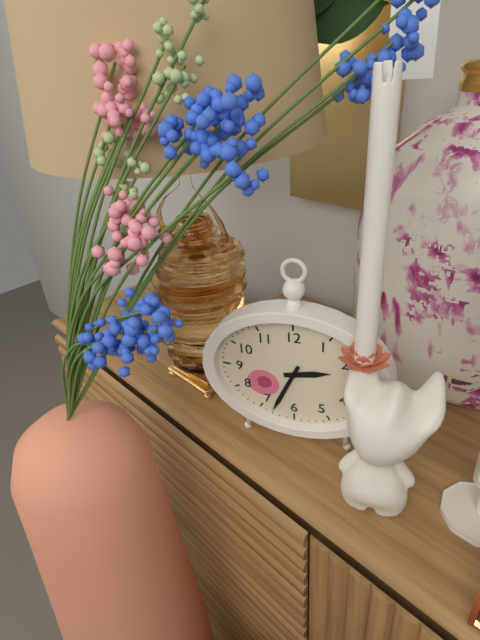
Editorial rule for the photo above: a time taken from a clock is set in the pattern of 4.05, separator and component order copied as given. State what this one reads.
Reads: 2.34
